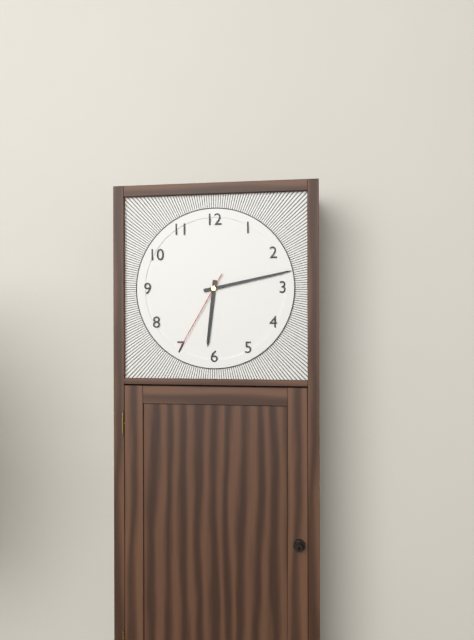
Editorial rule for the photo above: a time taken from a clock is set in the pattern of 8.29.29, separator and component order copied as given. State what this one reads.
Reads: 6.13.35
